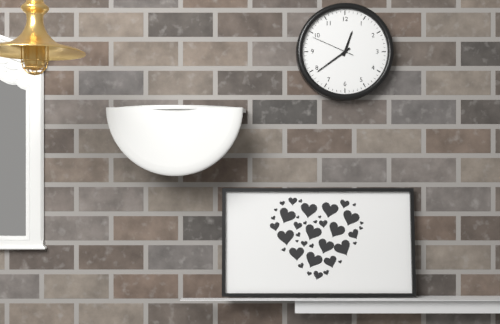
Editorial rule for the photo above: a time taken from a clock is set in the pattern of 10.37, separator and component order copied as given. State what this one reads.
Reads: 12.39
